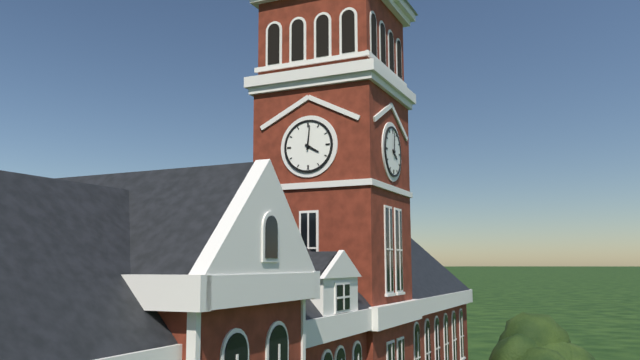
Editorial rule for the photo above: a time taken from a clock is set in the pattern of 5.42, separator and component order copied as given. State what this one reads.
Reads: 4.01
